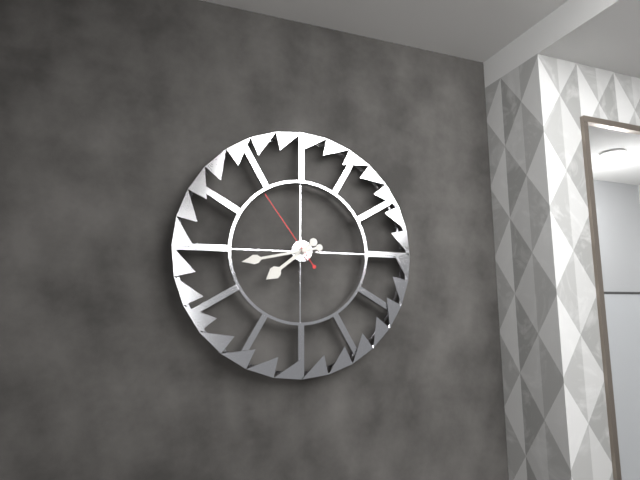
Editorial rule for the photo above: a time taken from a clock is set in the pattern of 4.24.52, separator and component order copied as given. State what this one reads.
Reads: 7.43.54
